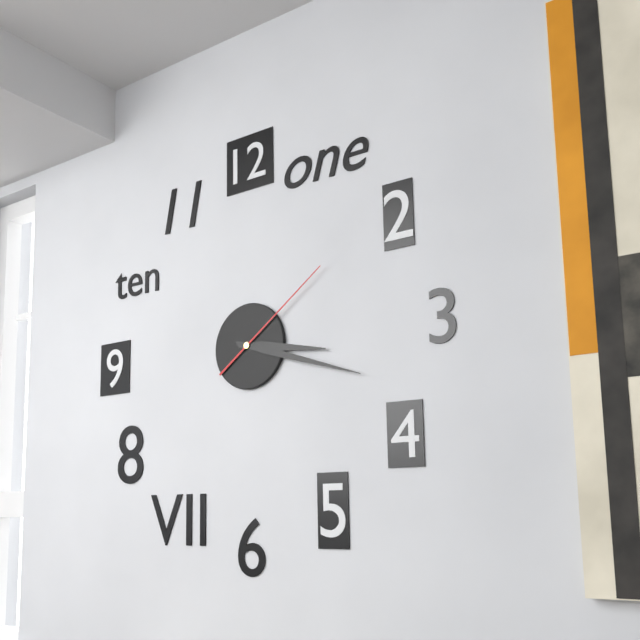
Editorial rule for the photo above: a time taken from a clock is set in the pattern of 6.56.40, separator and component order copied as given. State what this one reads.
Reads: 3.18.09
